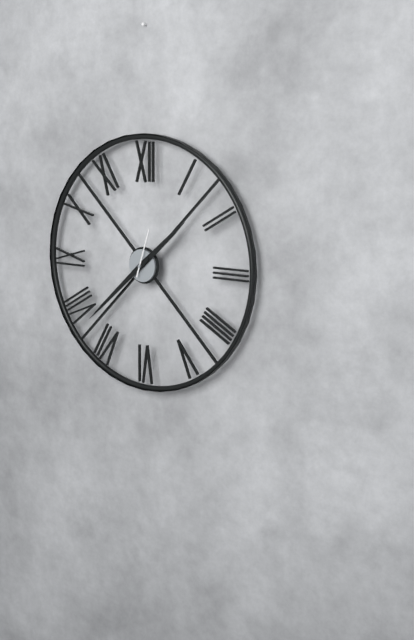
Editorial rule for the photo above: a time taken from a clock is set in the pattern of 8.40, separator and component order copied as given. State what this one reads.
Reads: 1.38
